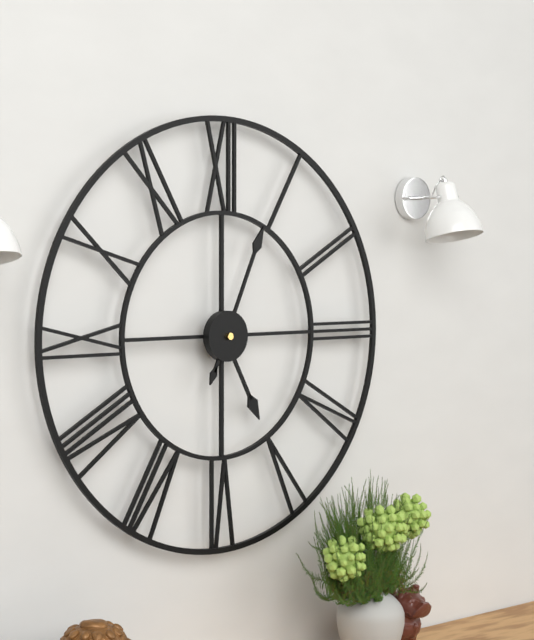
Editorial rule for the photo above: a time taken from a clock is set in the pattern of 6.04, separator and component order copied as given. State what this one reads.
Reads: 5.04
